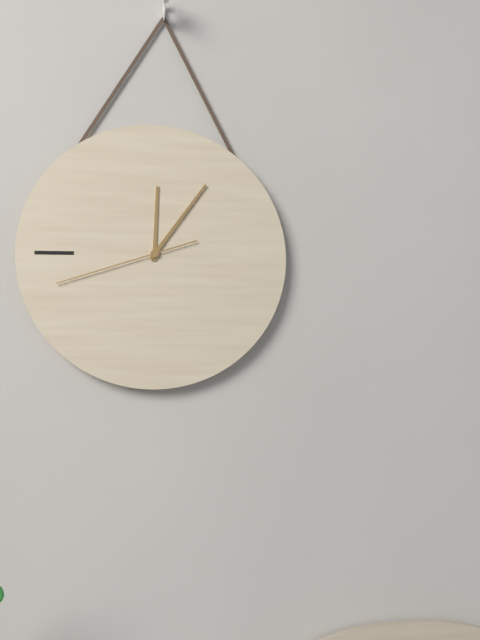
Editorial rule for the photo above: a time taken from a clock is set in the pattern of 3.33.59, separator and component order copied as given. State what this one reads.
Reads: 12.06.42
